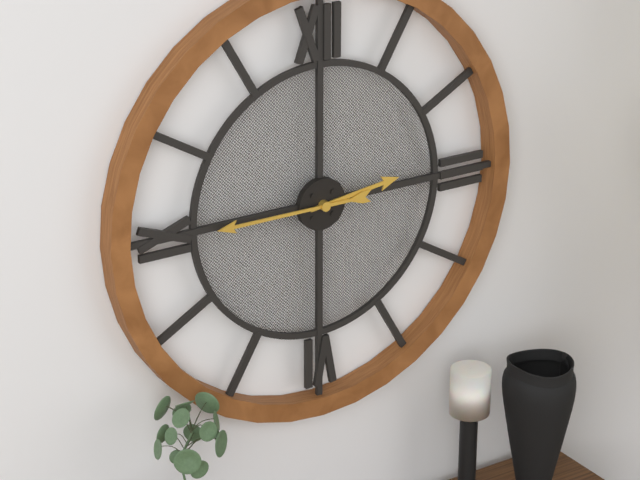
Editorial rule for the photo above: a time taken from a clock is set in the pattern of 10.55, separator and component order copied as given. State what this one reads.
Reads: 2.45
